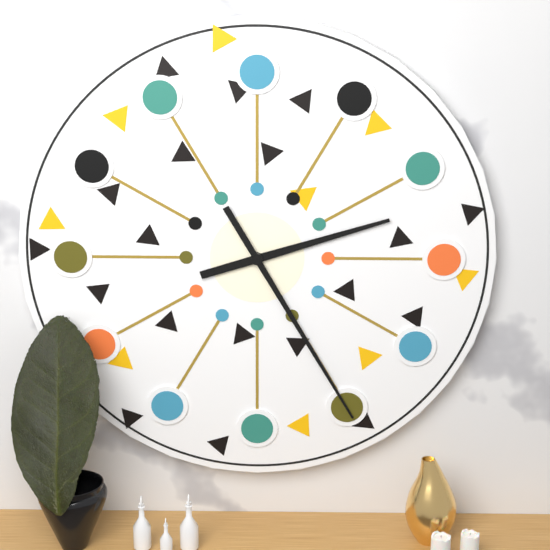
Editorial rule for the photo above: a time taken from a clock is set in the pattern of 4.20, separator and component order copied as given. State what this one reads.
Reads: 2.25
